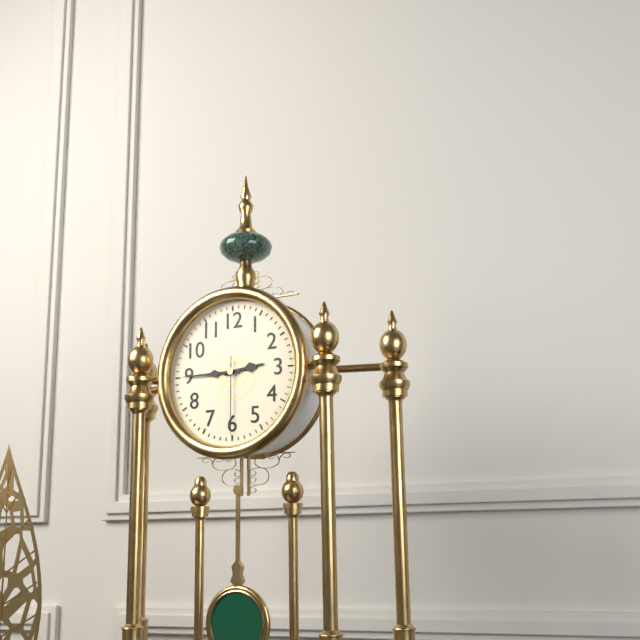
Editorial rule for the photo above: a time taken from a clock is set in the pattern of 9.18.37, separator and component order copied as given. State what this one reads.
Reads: 2.45.30
